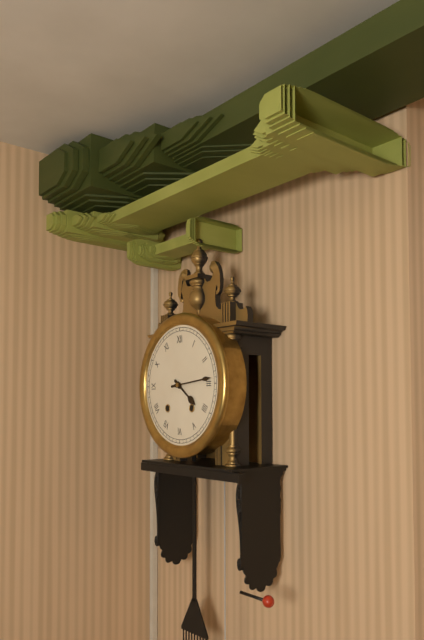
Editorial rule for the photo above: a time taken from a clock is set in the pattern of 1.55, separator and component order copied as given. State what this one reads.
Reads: 4.14
